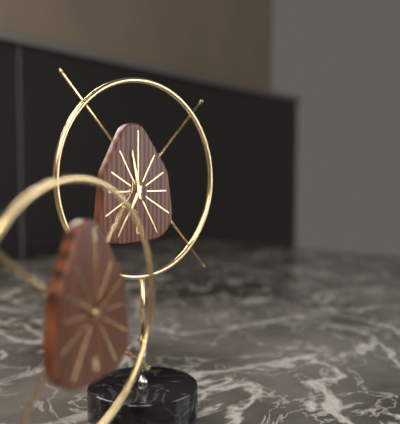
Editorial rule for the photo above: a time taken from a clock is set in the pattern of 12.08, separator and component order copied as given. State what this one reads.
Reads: 6.58
